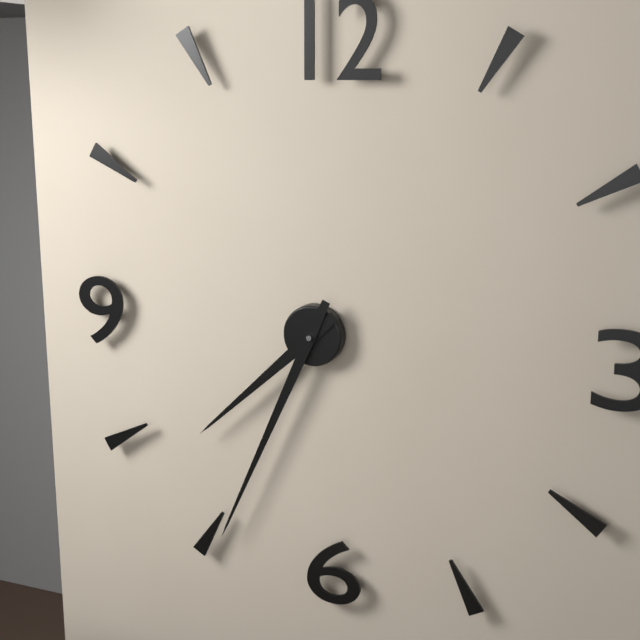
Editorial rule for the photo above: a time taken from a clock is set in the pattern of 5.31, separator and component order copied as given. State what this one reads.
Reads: 7.34
